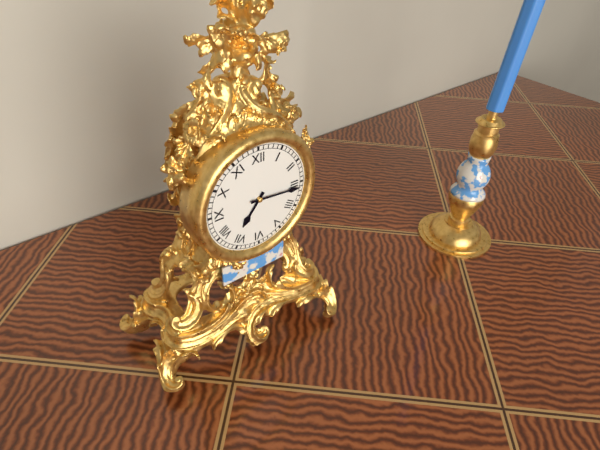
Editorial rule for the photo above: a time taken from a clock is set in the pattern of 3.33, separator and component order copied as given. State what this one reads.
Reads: 7.16
